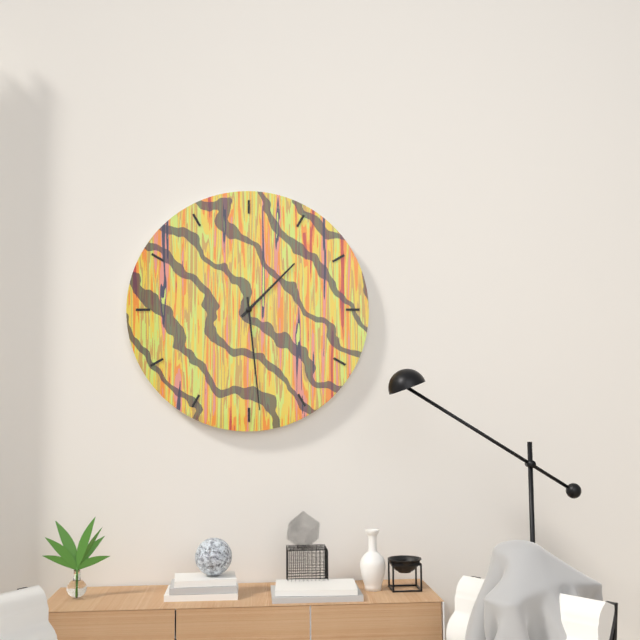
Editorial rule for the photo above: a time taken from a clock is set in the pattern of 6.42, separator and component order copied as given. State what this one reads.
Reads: 1.29
